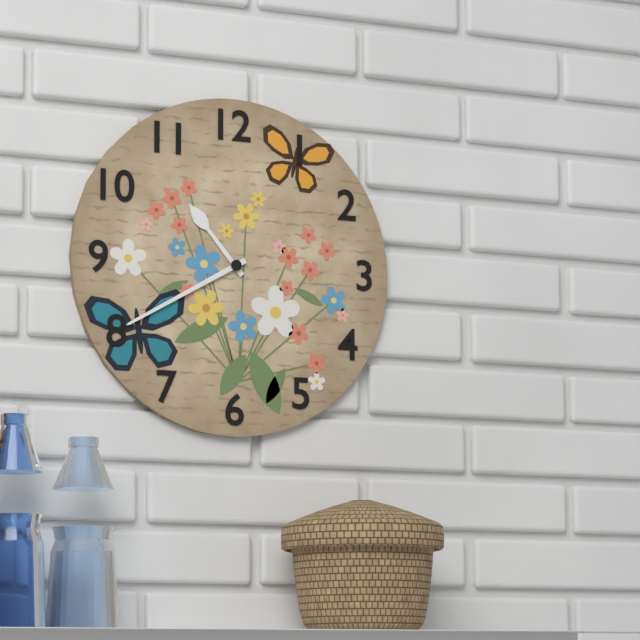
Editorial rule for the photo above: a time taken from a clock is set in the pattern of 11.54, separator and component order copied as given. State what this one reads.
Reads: 10.40
